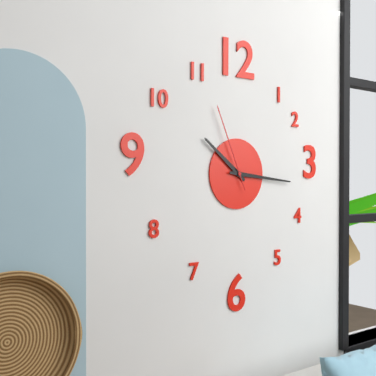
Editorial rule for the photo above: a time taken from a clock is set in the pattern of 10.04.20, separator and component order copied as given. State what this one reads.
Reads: 10.16.56
